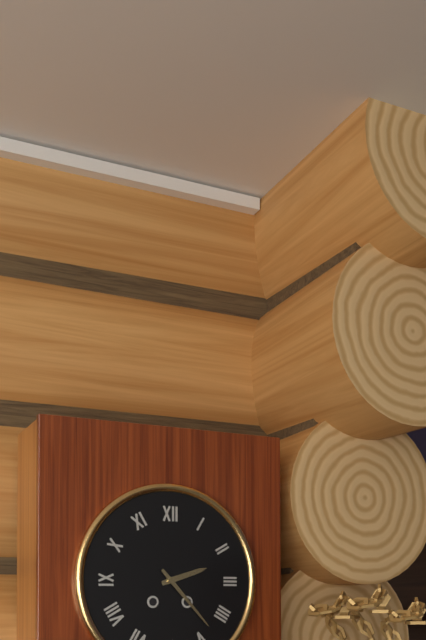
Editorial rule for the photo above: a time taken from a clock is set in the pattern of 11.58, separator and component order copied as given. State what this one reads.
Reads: 2.23
